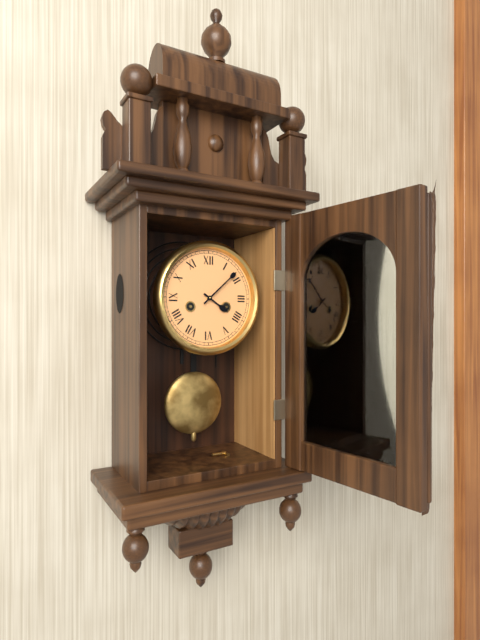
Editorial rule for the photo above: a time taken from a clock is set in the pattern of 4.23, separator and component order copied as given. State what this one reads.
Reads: 4.08
